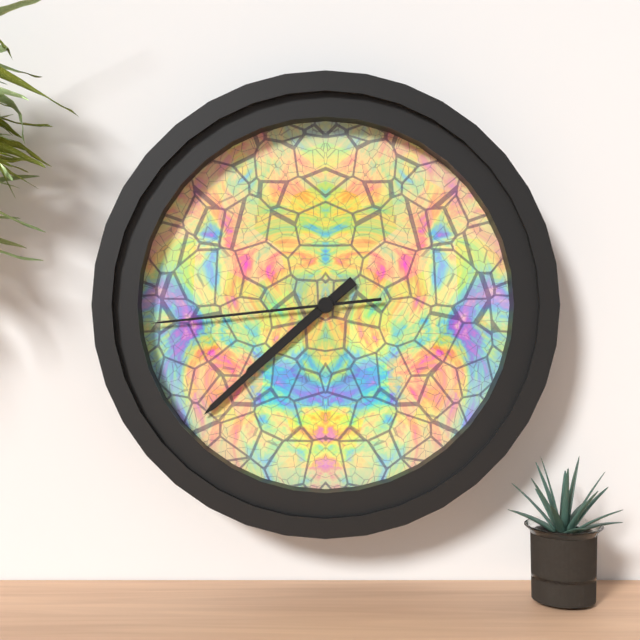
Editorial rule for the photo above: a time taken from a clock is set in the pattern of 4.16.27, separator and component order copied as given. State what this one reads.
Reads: 7.38.44
